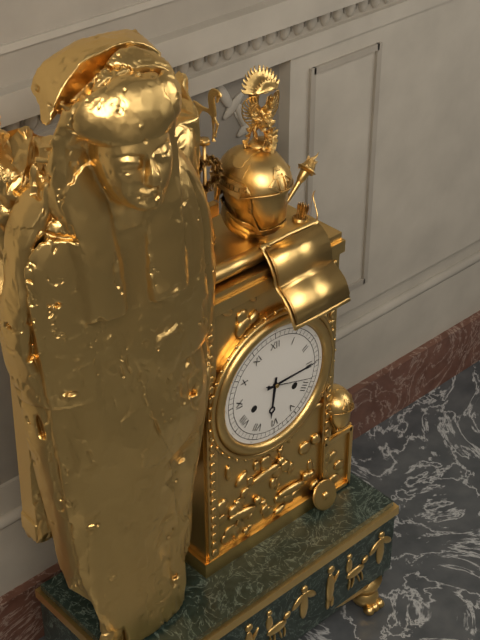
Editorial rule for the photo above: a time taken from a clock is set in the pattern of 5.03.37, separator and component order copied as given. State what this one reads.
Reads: 6.15.18
